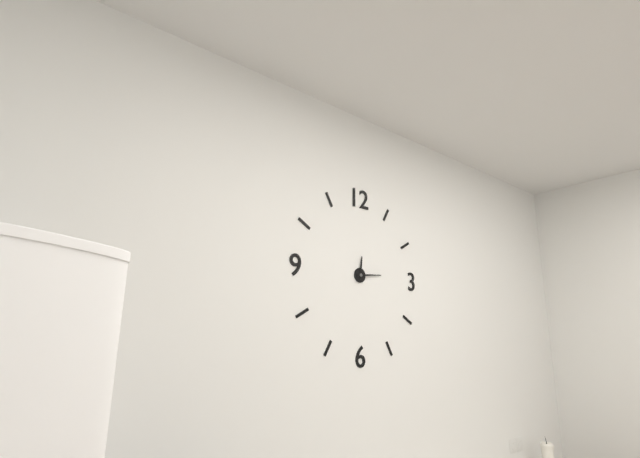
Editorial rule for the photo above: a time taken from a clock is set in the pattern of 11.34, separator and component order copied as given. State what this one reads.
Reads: 12.14
